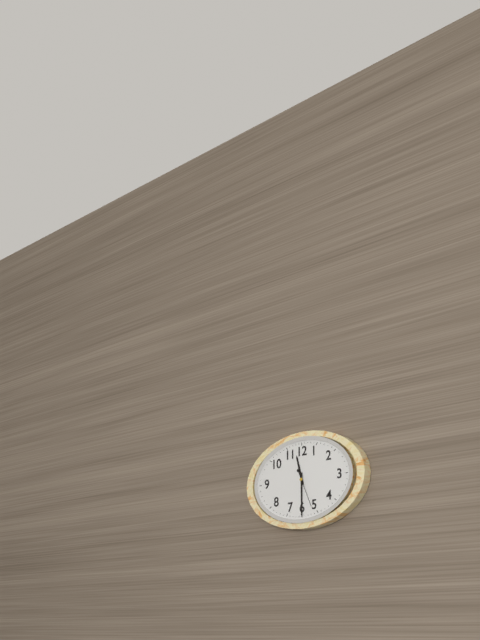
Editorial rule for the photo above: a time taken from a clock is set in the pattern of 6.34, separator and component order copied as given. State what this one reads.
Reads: 11.30
